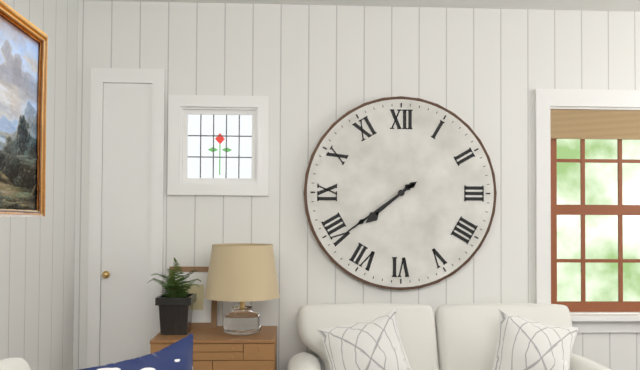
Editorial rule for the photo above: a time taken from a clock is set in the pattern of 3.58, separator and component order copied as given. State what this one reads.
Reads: 7.39
